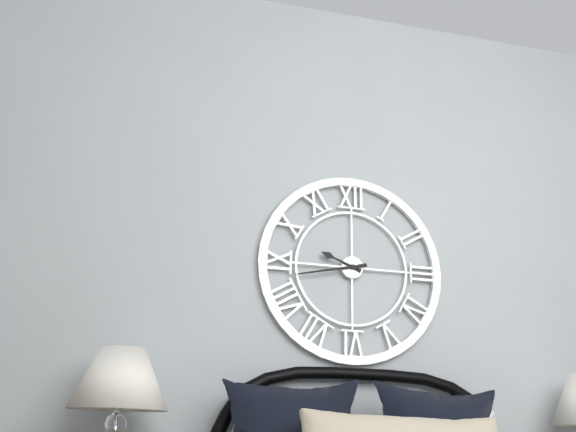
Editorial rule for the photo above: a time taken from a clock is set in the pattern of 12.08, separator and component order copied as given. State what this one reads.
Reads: 9.43
